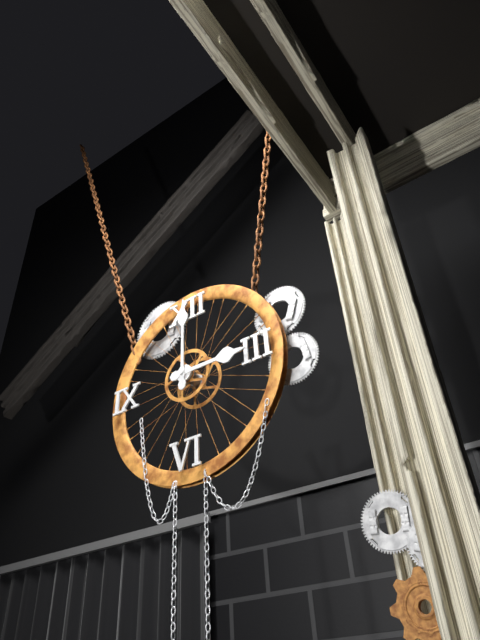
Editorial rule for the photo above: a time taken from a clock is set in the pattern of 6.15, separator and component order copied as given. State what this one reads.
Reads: 3.00
